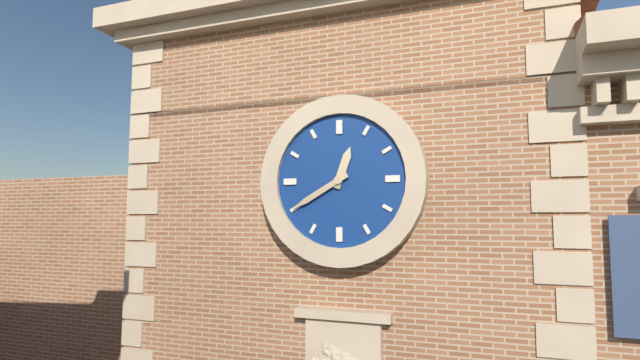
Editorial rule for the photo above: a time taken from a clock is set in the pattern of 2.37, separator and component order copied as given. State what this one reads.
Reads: 12.40
